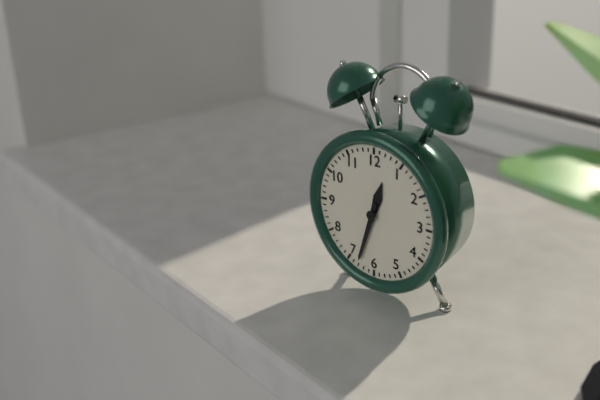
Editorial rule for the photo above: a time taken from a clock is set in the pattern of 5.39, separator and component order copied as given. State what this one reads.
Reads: 12.33
